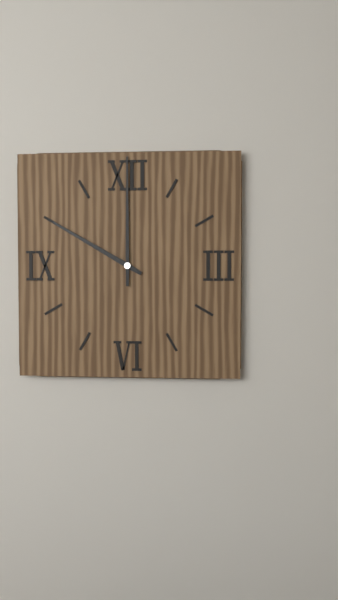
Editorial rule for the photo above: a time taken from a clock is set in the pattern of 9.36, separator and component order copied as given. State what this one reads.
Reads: 10.00
